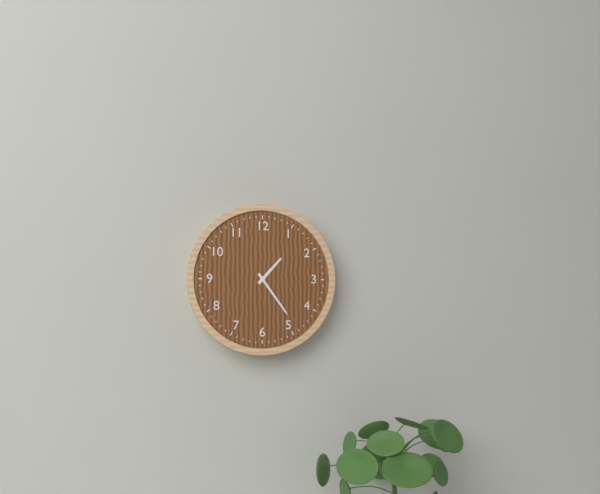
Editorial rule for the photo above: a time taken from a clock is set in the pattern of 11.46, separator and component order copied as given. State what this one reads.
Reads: 1.24
